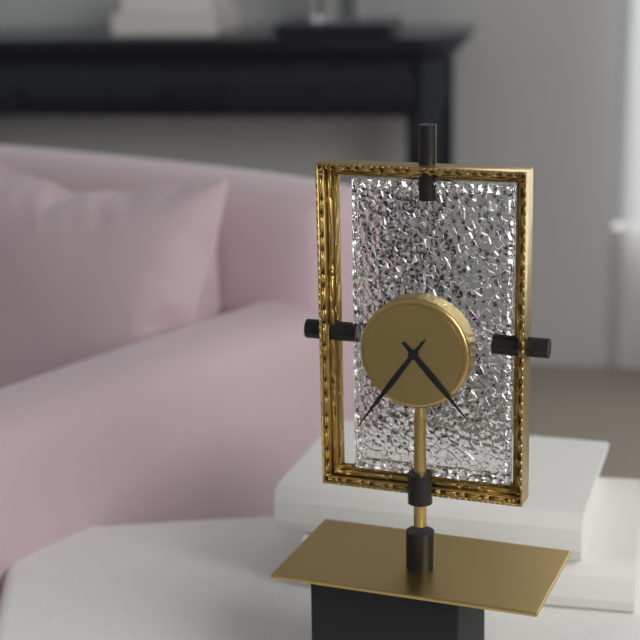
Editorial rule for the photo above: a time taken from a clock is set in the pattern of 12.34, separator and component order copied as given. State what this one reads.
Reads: 4.36
